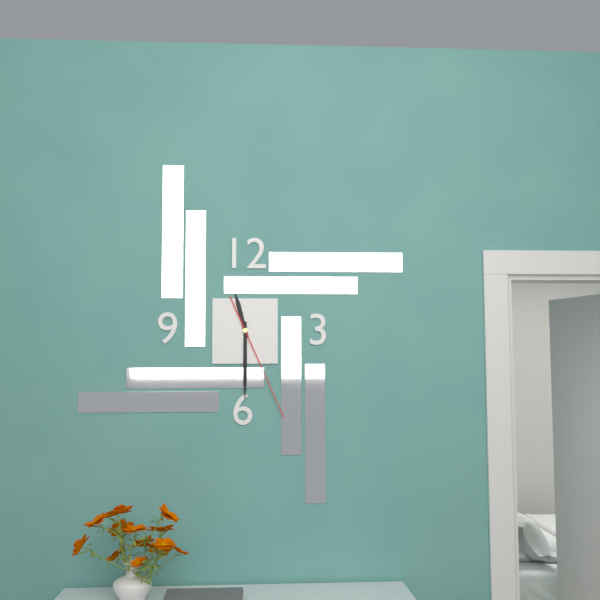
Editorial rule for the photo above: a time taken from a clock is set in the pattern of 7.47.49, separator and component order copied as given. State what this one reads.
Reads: 11.30.26
